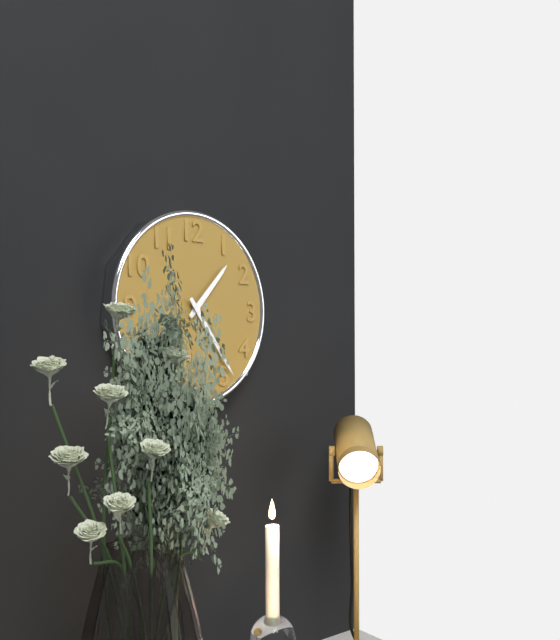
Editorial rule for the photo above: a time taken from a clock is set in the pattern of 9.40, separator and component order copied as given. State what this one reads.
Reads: 1.24
